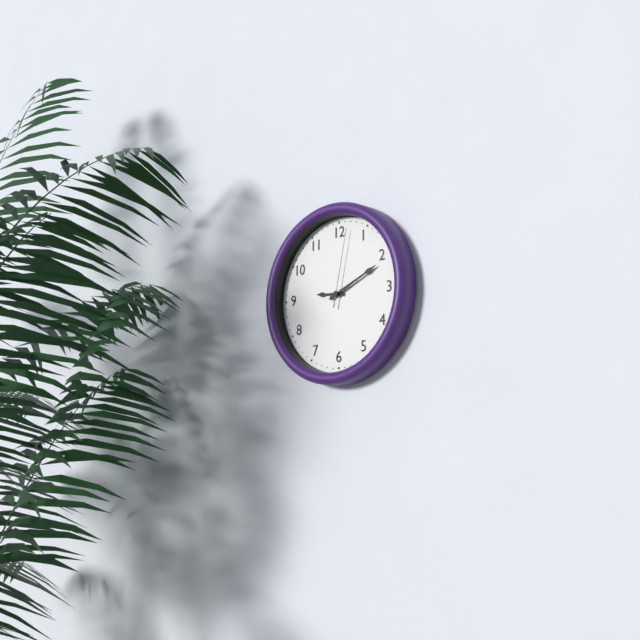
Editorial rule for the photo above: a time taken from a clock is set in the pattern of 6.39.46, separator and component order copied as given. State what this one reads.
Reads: 9.11.02
